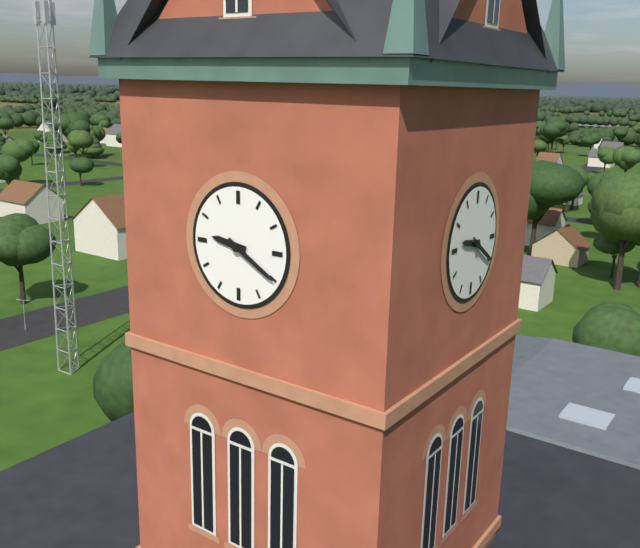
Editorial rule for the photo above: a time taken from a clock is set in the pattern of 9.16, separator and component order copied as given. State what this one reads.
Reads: 9.20
